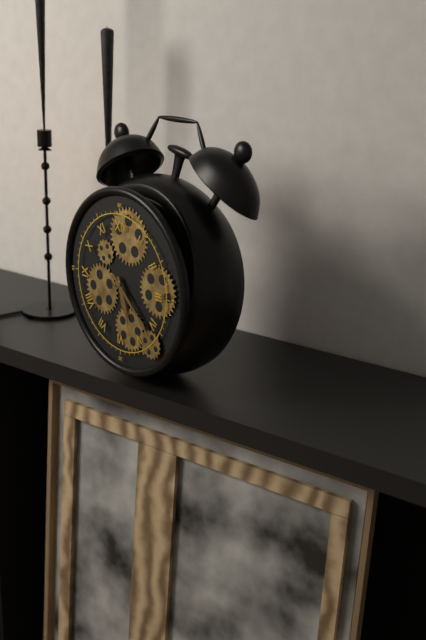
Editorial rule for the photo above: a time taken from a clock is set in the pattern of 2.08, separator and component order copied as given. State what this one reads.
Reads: 5.22
